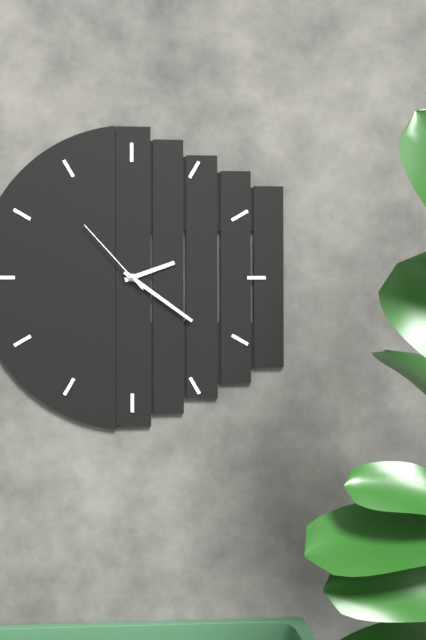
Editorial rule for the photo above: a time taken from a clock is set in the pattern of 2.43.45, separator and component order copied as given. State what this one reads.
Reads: 2.21.53
